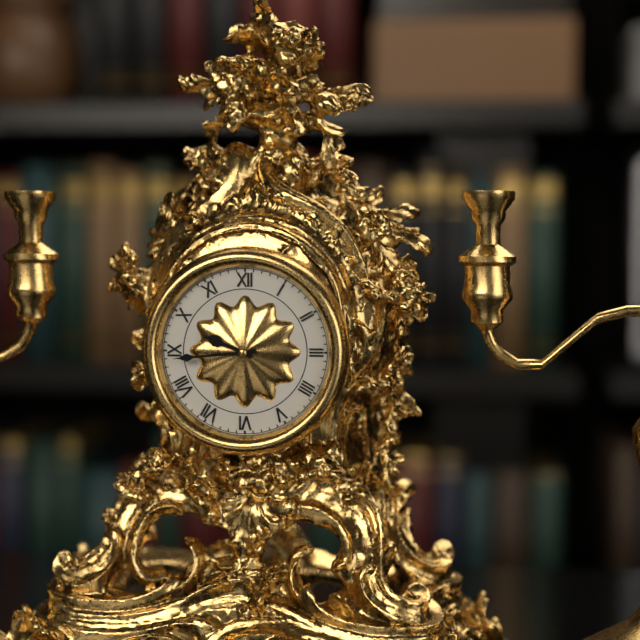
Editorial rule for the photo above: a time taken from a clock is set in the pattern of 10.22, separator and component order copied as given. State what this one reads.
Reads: 9.44
